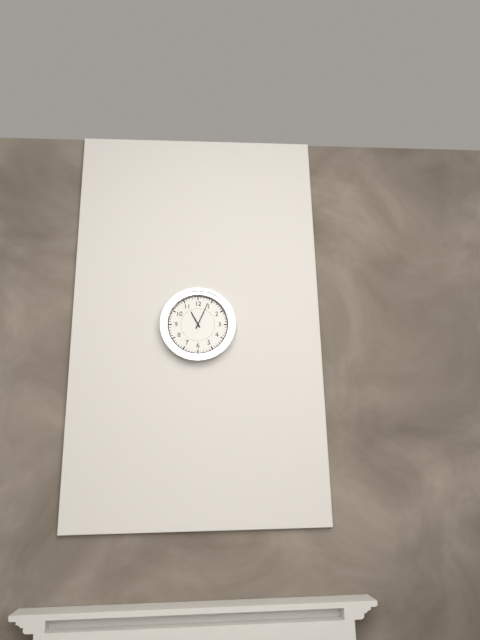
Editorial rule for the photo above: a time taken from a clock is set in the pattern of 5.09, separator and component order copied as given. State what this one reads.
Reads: 11.04
